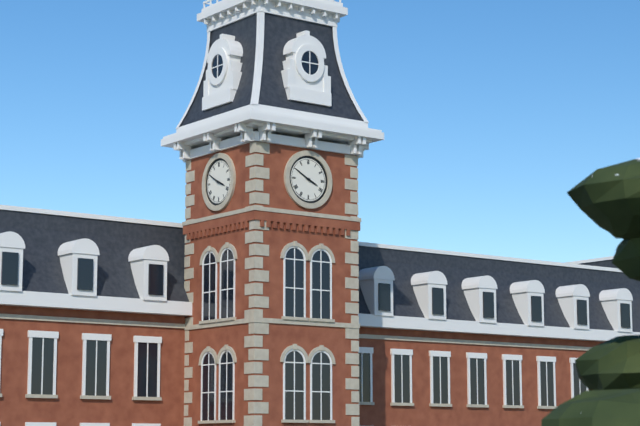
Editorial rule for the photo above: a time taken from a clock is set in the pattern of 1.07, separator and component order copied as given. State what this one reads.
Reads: 3.50
